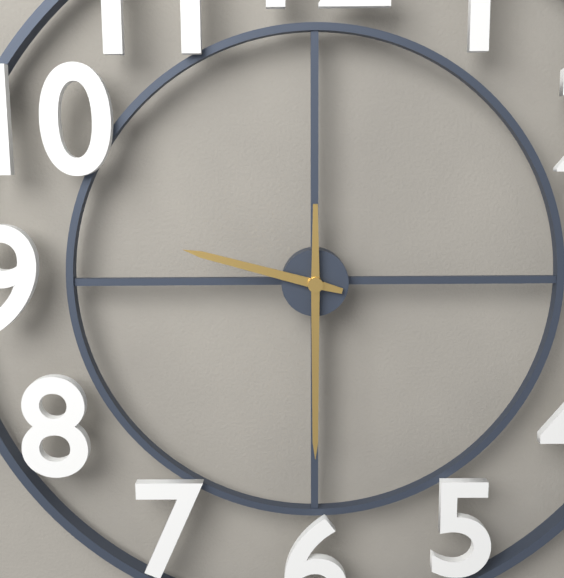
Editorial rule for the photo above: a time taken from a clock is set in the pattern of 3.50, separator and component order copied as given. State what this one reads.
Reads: 9.30
